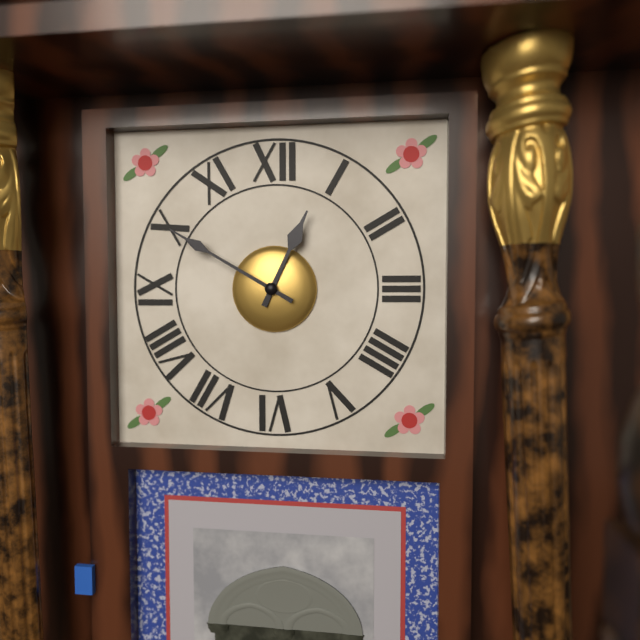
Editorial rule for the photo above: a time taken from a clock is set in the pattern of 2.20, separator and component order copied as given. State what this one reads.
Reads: 12.50
